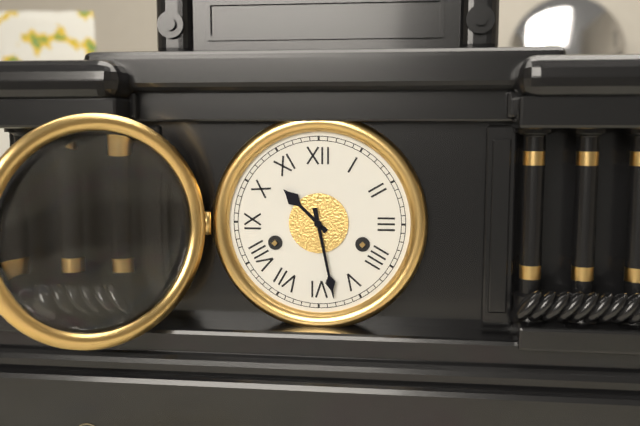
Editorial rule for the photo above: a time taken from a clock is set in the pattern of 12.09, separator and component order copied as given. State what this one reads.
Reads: 10.28
